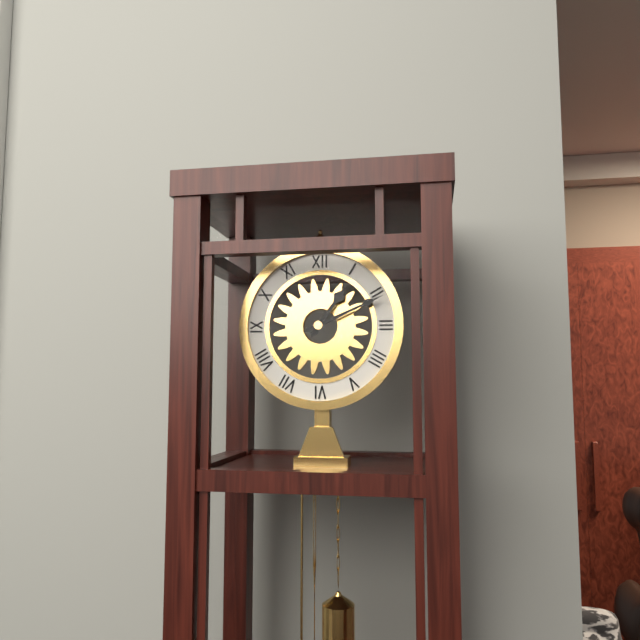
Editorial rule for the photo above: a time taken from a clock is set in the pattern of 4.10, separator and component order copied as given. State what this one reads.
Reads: 1.11
